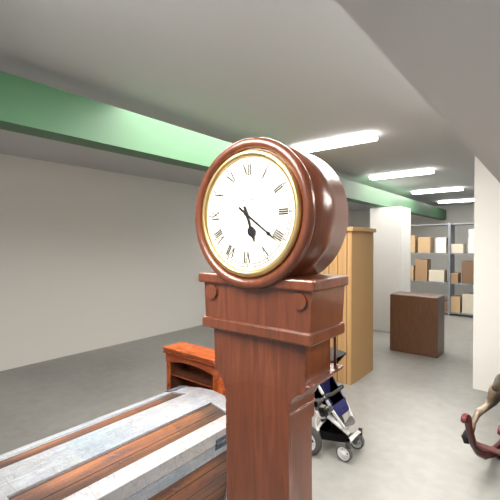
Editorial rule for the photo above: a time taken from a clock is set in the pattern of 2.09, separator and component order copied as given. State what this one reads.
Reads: 5.21
